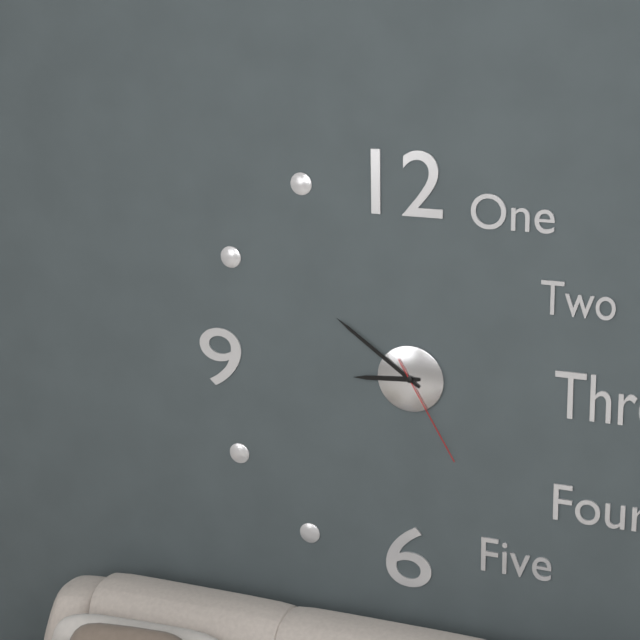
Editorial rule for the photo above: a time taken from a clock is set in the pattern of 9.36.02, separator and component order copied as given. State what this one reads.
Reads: 8.51.25
